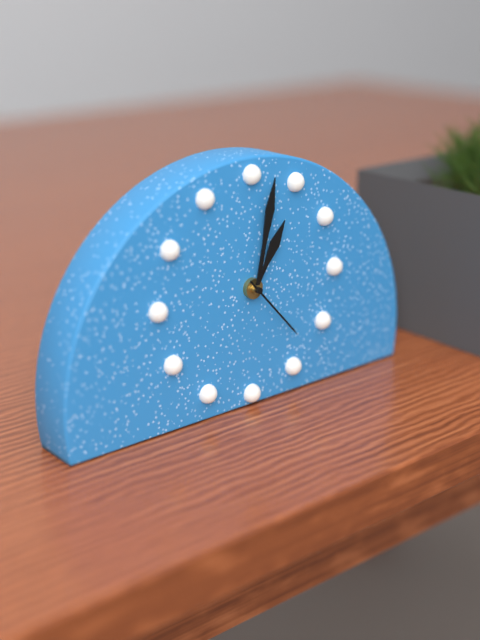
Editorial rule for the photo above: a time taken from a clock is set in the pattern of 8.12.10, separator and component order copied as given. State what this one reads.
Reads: 1.02.23
